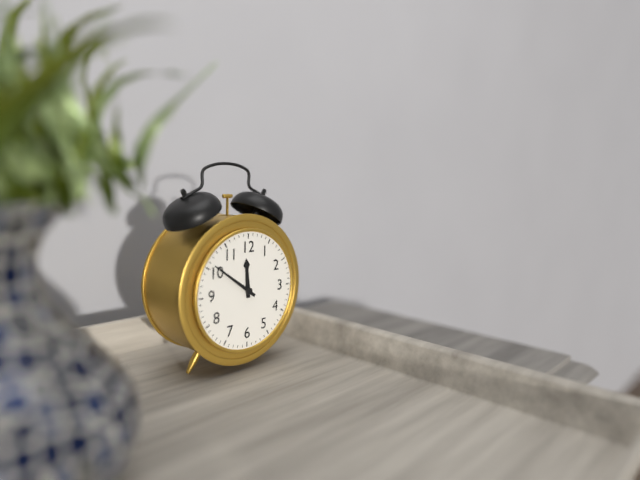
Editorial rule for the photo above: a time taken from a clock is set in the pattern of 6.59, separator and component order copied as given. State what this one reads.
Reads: 11.51
